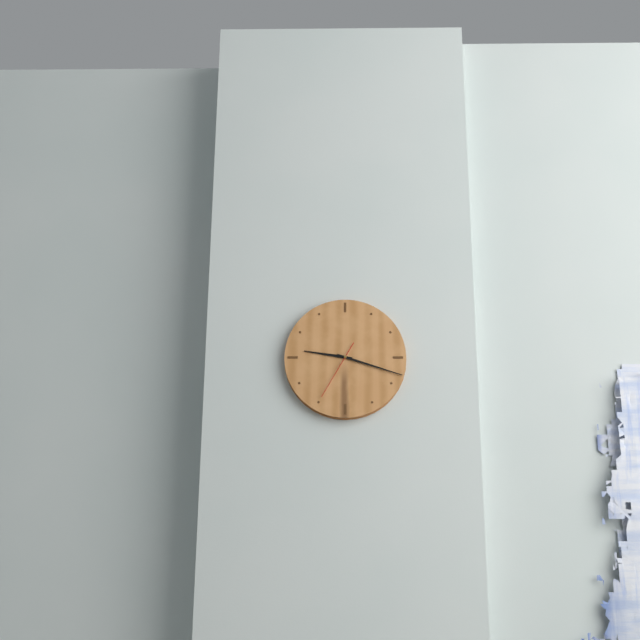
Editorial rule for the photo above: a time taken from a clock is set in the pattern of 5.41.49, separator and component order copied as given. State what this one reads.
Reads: 9.18.35
